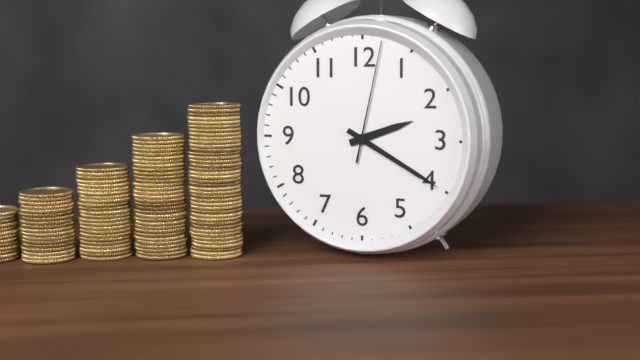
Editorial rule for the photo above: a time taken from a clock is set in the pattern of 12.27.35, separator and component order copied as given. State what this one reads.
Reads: 2.20.02
